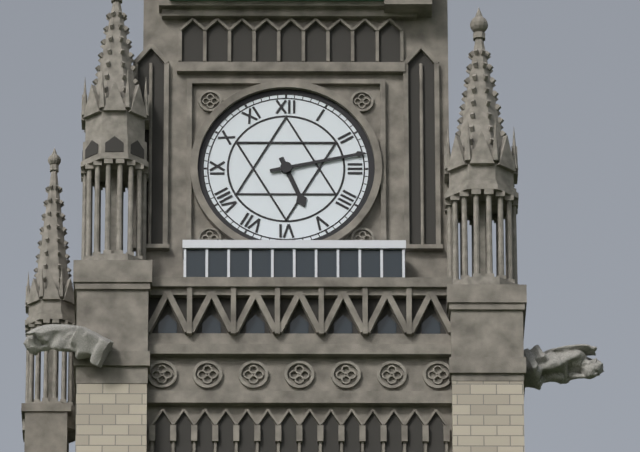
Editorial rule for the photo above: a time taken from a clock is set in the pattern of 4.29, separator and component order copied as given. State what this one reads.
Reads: 5.13
